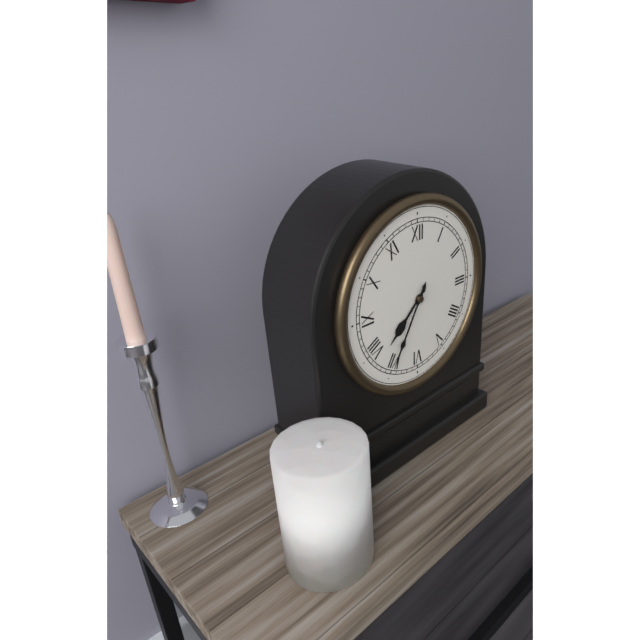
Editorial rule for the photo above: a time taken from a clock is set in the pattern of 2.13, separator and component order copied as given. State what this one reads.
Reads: 7.35
